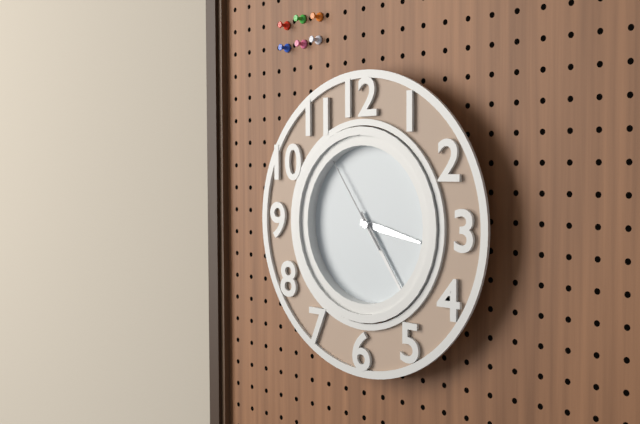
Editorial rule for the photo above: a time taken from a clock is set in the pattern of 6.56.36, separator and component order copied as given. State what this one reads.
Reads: 3.24.54
